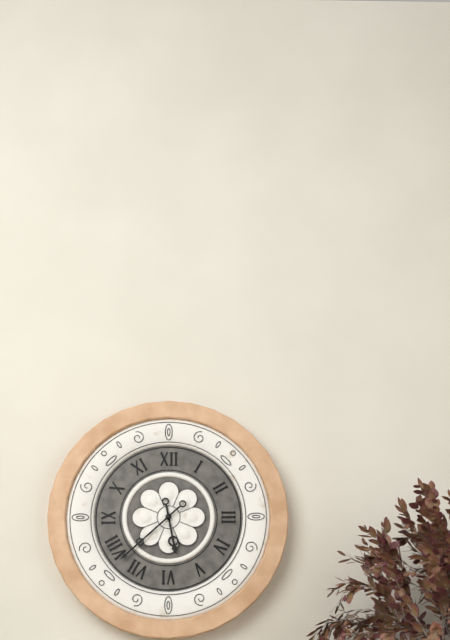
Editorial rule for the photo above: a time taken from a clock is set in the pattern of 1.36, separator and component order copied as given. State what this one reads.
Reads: 5.38
